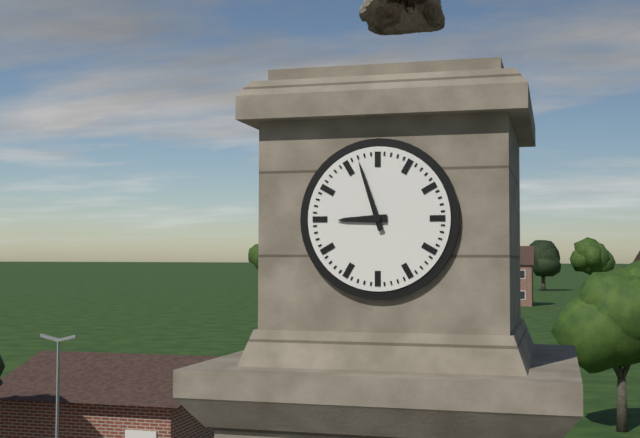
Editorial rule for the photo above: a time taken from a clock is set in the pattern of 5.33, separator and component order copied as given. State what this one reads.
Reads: 8.57
